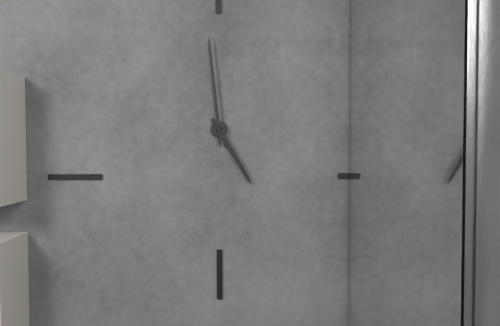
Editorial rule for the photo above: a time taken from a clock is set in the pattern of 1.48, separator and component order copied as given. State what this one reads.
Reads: 4.59
